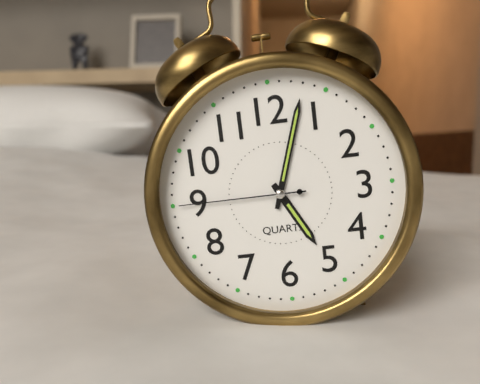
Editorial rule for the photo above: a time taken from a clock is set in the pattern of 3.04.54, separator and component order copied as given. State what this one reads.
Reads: 5.03.45
